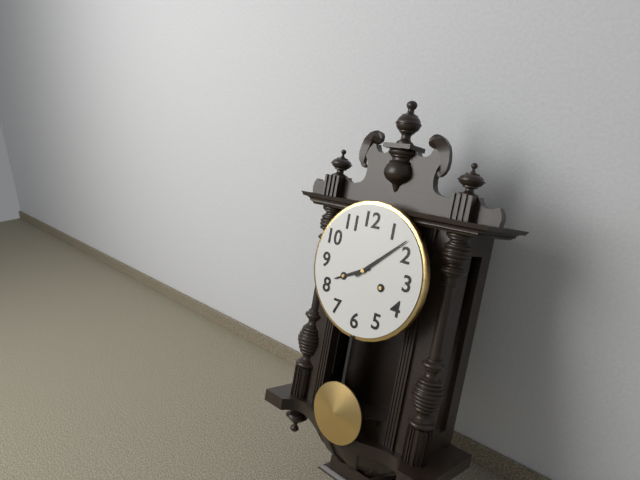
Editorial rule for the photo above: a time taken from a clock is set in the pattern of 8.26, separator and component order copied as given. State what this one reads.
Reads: 8.08
